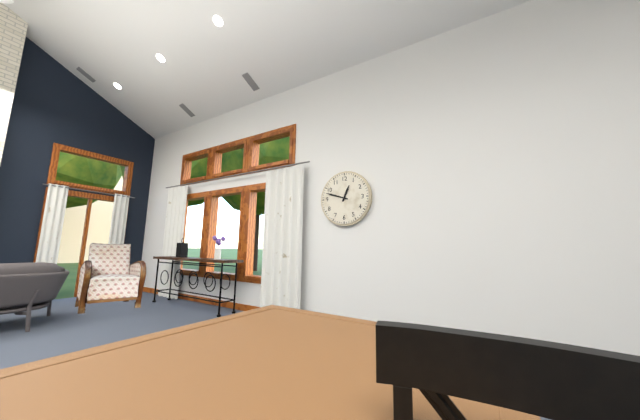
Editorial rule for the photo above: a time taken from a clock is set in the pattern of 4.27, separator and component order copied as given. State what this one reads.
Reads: 12.48
